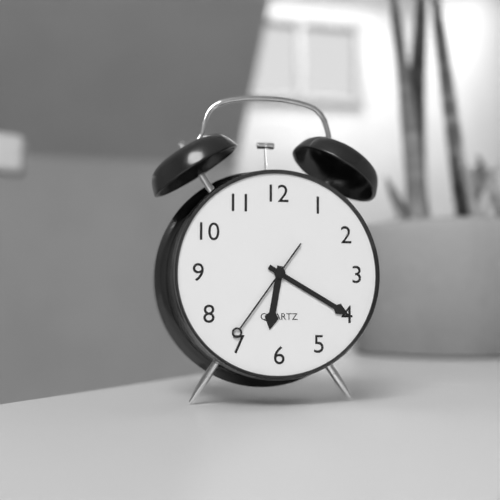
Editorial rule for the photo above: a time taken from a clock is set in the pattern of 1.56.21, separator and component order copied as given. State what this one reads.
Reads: 6.20.36
